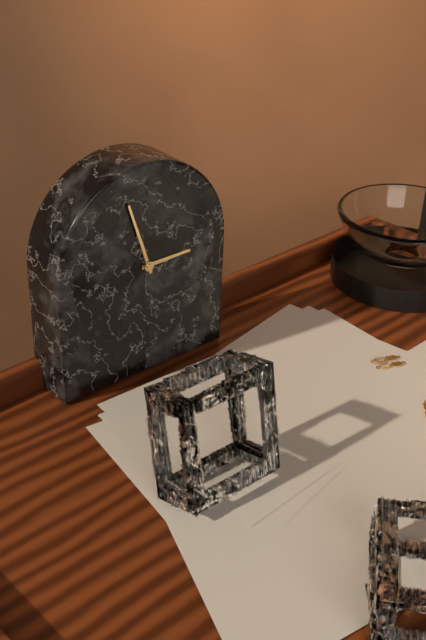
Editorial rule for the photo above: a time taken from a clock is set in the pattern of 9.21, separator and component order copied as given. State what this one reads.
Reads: 2.57
